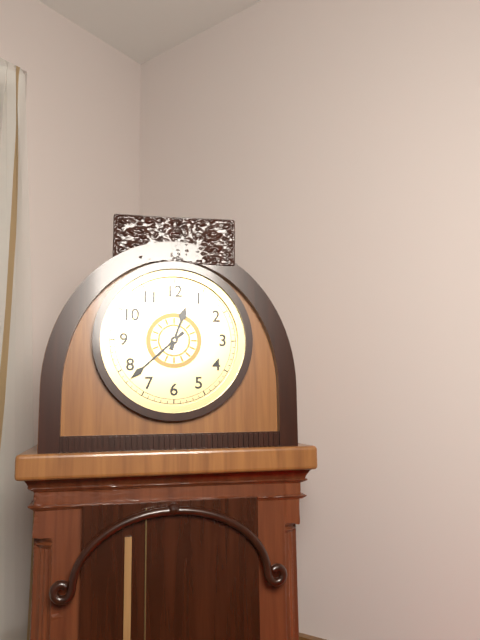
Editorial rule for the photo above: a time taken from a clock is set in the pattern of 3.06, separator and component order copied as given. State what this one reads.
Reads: 12.38
